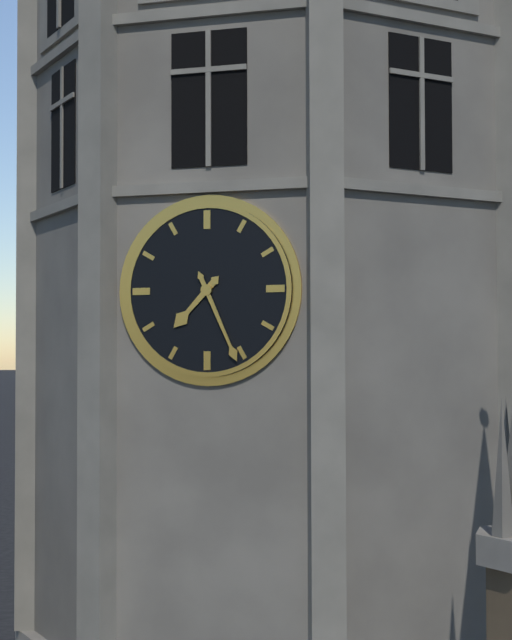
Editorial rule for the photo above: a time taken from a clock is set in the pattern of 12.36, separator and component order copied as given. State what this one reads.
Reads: 7.26
